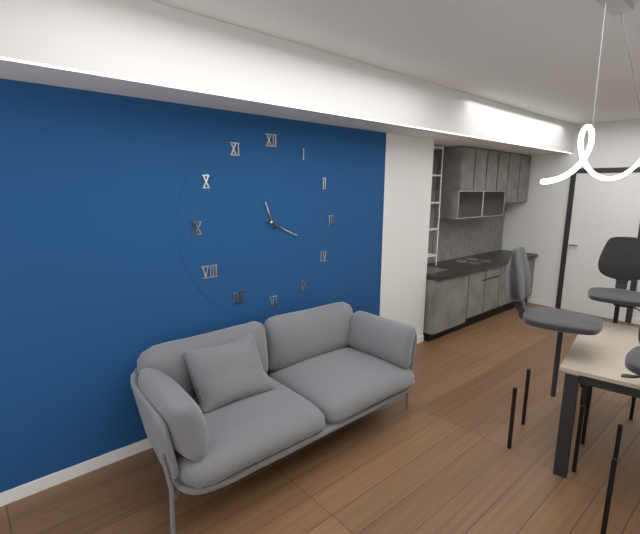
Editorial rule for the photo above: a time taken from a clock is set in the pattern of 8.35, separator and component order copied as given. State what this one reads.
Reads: 11.19
